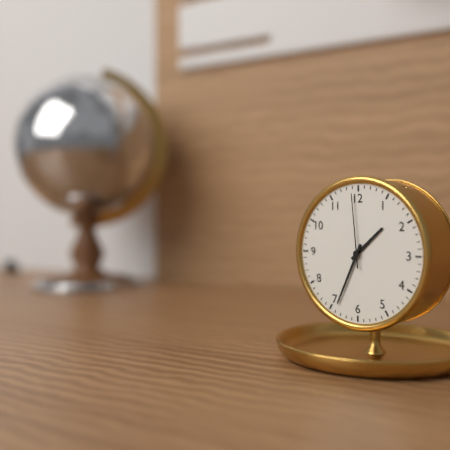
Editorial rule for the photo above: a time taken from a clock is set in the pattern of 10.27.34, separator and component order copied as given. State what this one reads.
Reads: 1.34.59
